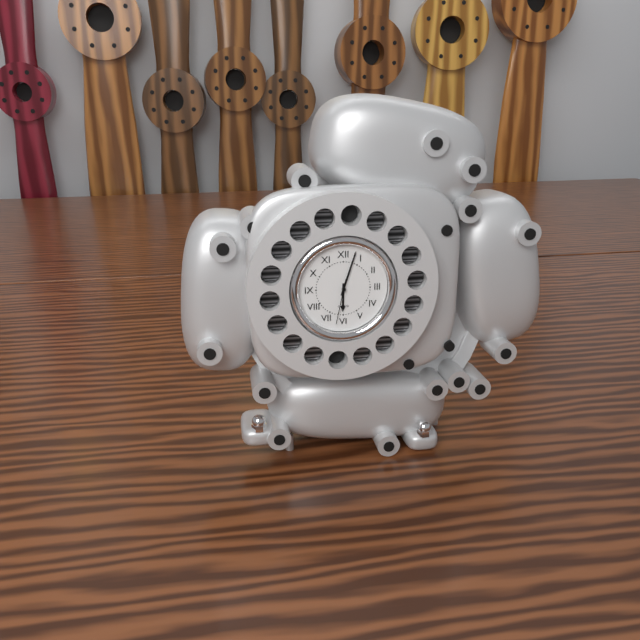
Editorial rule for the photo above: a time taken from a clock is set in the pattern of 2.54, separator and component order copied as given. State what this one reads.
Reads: 6.03
